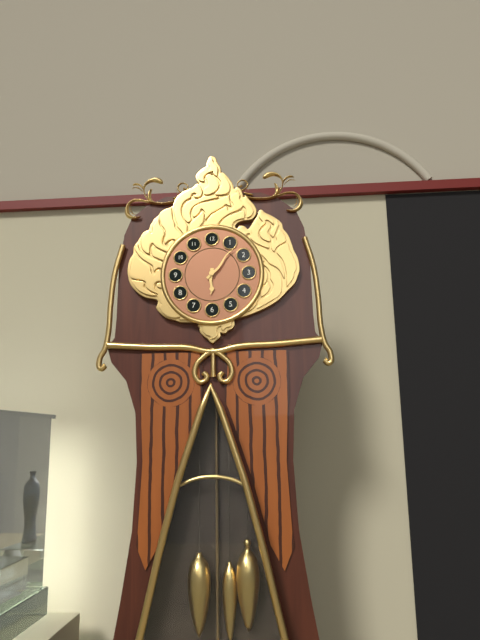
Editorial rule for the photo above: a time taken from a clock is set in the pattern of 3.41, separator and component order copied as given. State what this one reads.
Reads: 6.07
